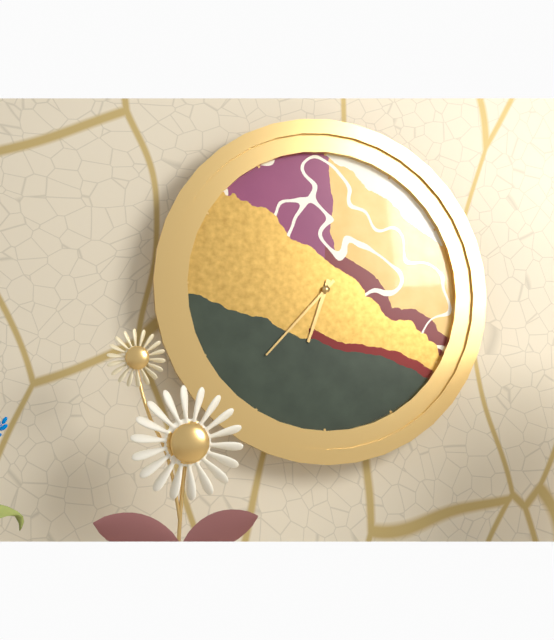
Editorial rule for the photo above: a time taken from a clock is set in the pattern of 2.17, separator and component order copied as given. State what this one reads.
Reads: 6.37
